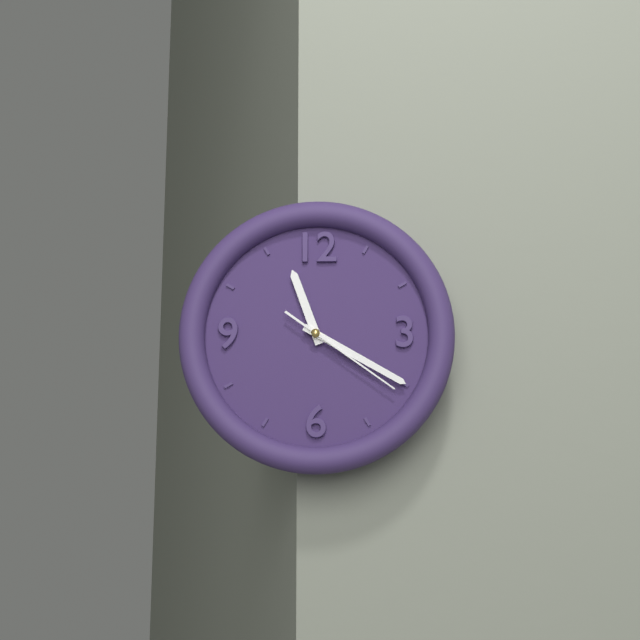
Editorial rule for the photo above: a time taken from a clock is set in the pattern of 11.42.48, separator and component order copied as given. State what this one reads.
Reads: 11.20.21
